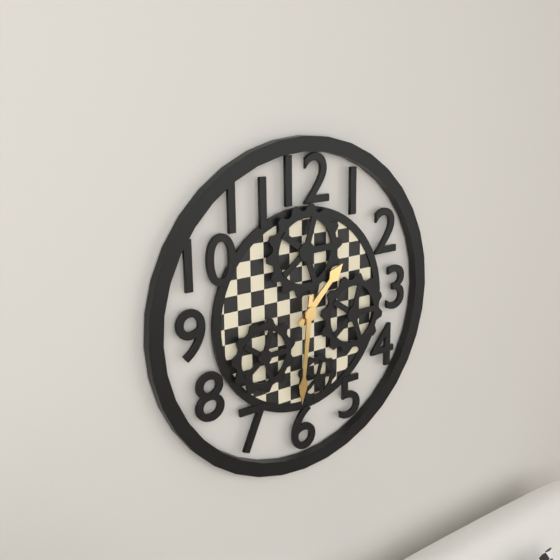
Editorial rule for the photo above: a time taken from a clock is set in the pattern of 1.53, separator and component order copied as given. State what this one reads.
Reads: 1.31
